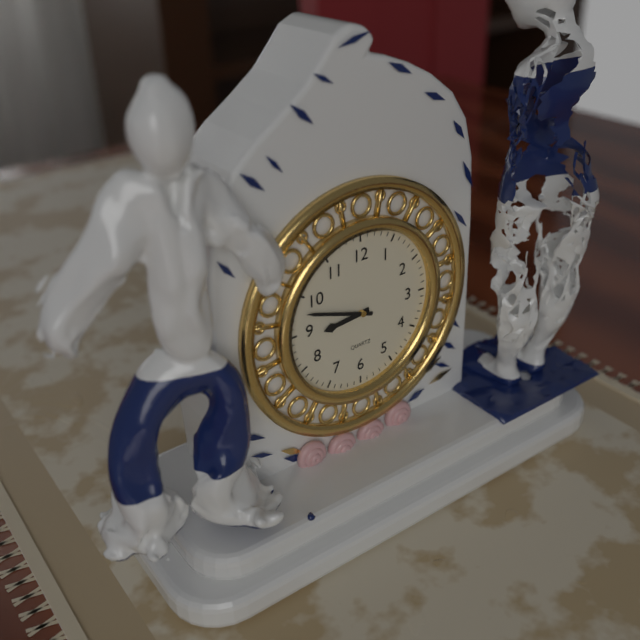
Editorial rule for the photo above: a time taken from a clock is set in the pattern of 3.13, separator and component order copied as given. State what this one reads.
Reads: 8.48
